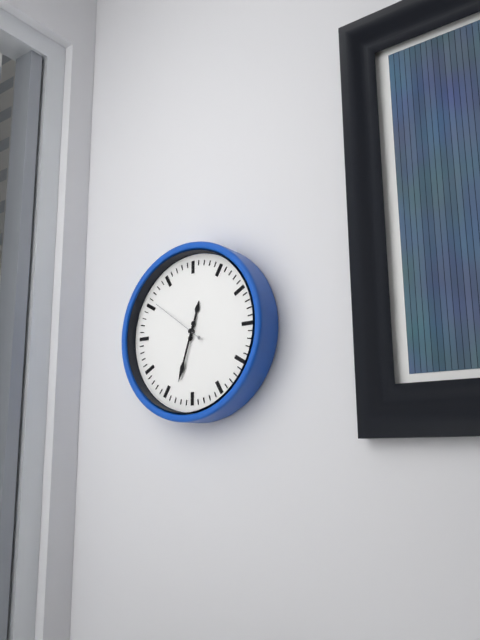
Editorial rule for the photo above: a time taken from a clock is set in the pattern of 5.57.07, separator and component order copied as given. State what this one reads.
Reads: 12.33.51
